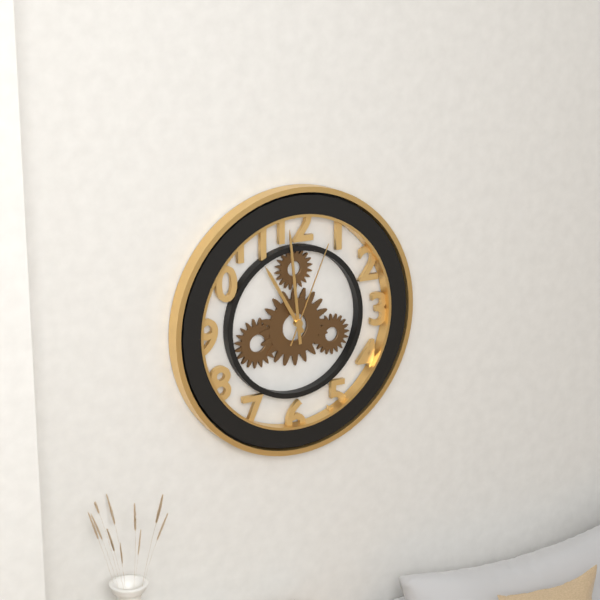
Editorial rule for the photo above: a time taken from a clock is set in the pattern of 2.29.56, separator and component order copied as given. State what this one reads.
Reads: 10.59.04
